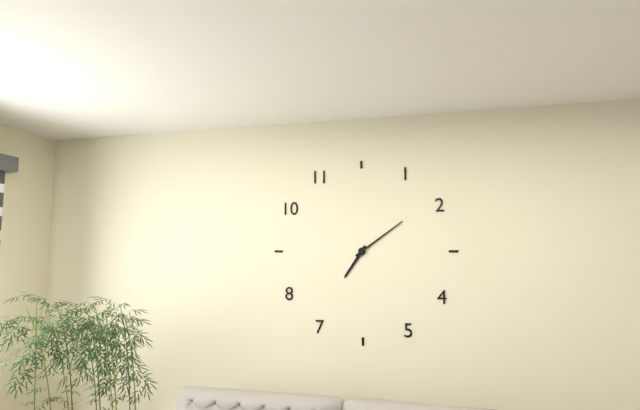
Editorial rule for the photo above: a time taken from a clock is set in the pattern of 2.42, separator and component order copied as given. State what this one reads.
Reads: 7.09
